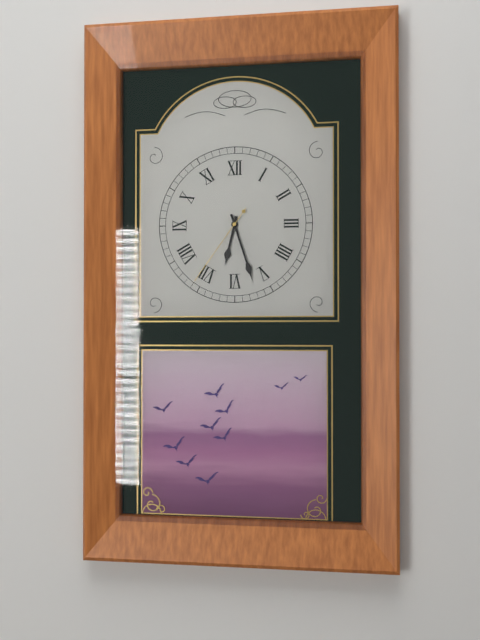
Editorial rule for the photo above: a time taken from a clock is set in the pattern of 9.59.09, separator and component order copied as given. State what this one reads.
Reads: 6.27.36
